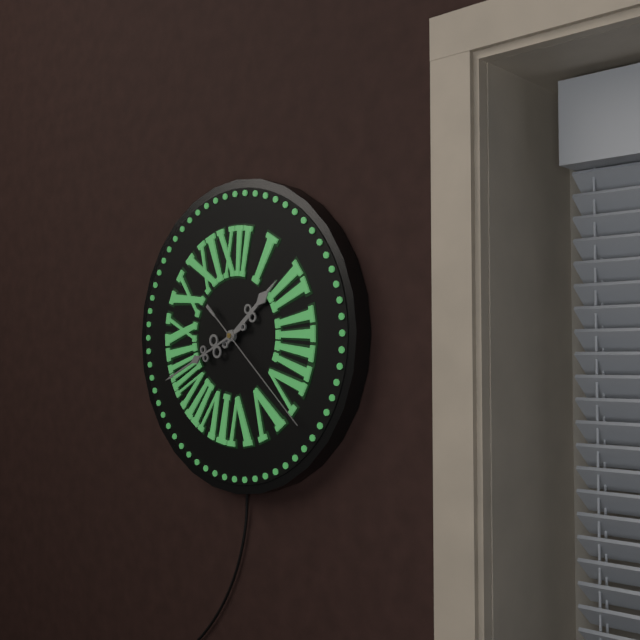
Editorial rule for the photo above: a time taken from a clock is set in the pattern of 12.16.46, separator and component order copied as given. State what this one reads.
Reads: 1.41.22
